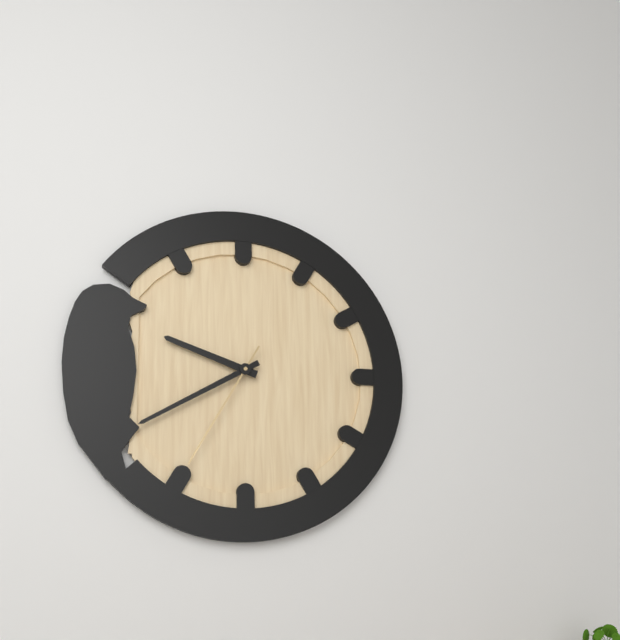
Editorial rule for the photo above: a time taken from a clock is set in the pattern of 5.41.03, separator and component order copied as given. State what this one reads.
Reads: 9.40.35
